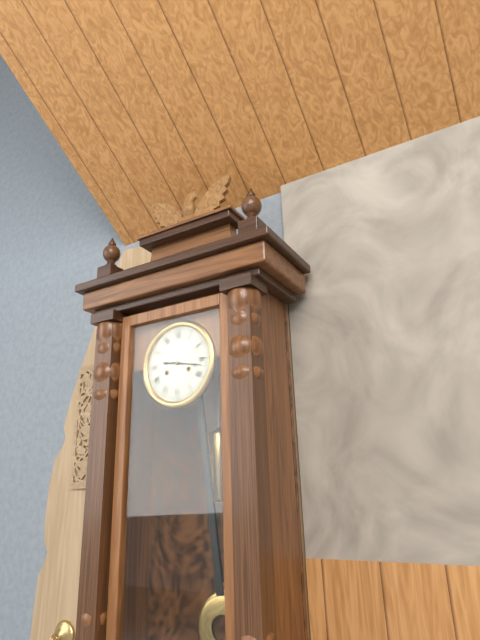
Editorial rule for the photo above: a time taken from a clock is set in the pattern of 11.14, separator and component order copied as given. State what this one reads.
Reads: 9.17
